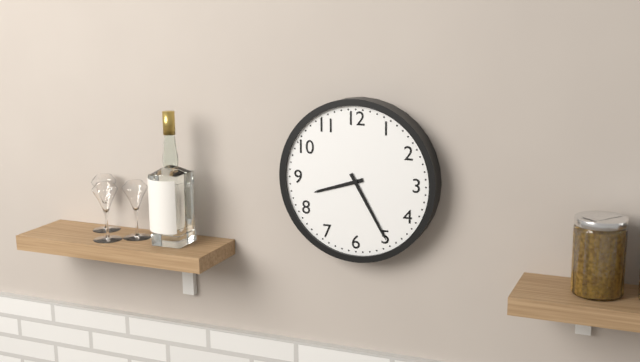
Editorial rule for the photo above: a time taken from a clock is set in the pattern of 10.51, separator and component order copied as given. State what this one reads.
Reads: 8.25
